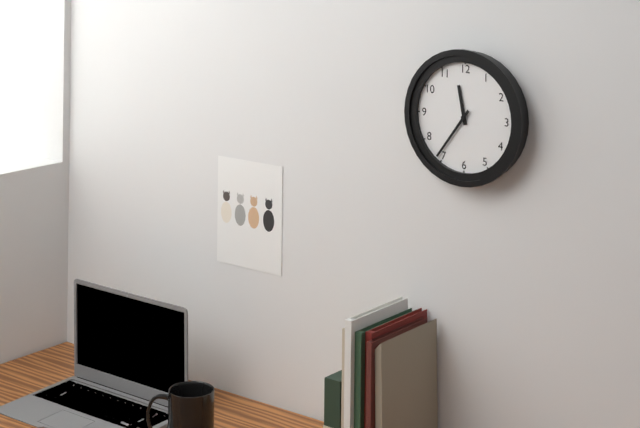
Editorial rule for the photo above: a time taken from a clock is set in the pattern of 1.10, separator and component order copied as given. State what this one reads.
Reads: 11.36
